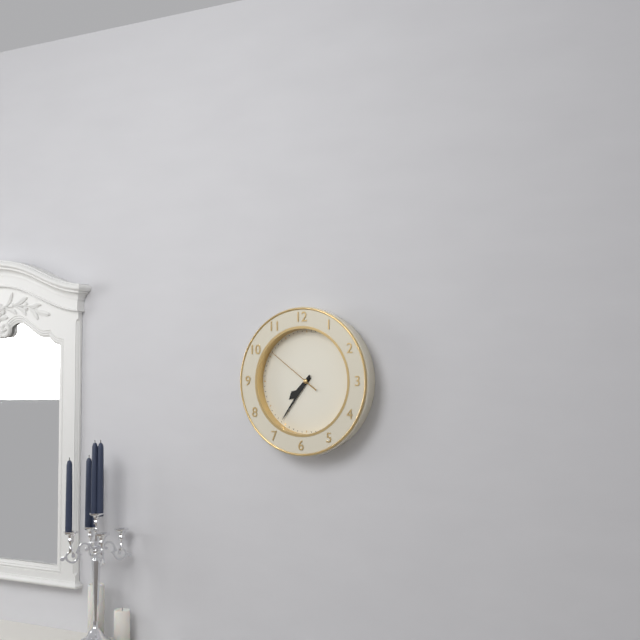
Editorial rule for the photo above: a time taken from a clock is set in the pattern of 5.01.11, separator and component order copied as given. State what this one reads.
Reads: 7.36.51
